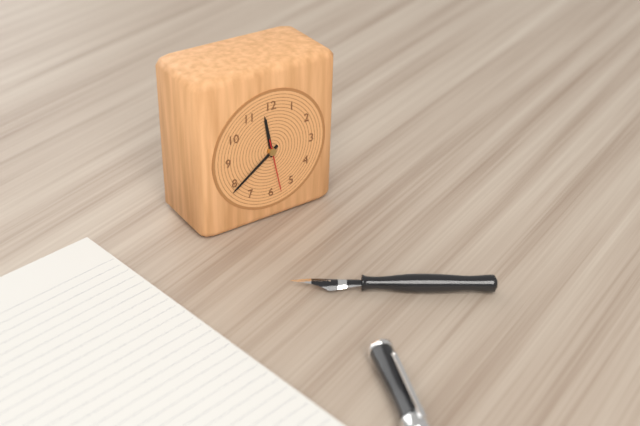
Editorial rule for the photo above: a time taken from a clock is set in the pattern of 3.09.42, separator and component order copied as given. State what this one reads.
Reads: 11.39.28
